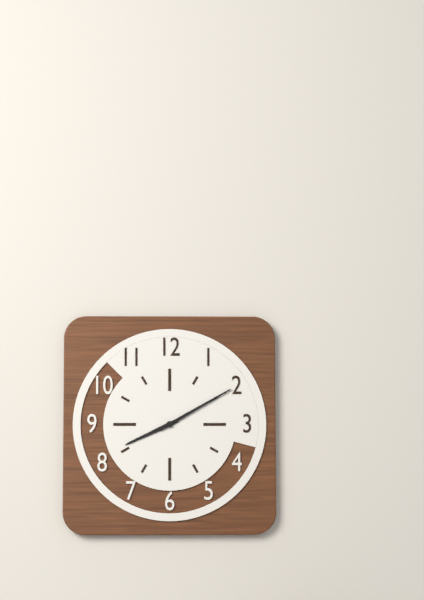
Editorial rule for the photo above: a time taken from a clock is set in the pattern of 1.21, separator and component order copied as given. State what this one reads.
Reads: 8.10
